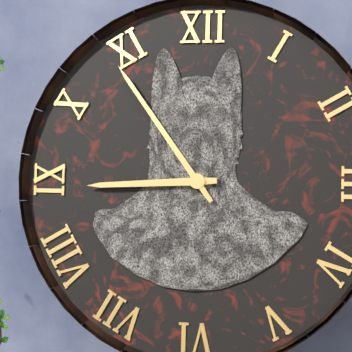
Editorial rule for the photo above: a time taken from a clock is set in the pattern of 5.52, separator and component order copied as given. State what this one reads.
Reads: 8.54
